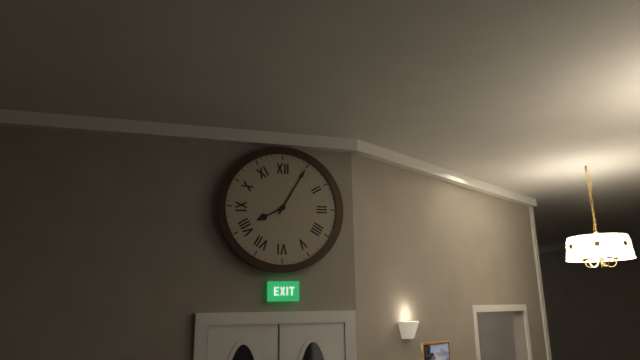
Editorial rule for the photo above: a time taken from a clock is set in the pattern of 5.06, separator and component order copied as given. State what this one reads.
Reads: 8.05
